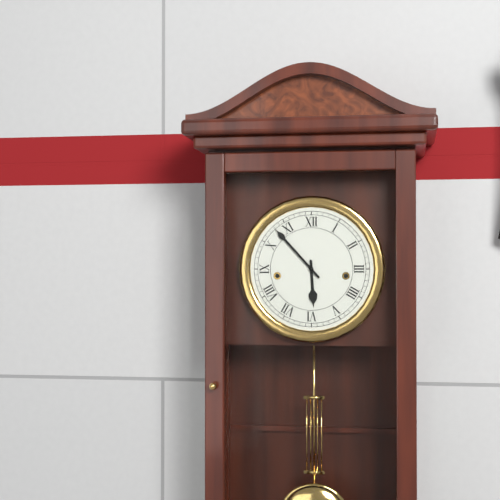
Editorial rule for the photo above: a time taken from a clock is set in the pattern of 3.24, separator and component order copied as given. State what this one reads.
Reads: 5.53
